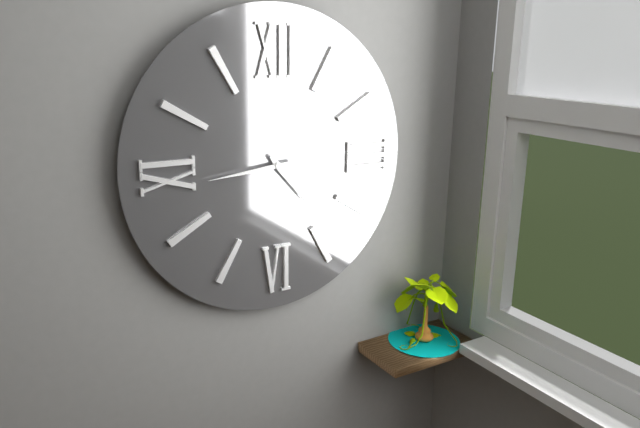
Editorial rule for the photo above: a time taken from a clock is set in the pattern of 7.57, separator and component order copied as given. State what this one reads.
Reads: 4.44
